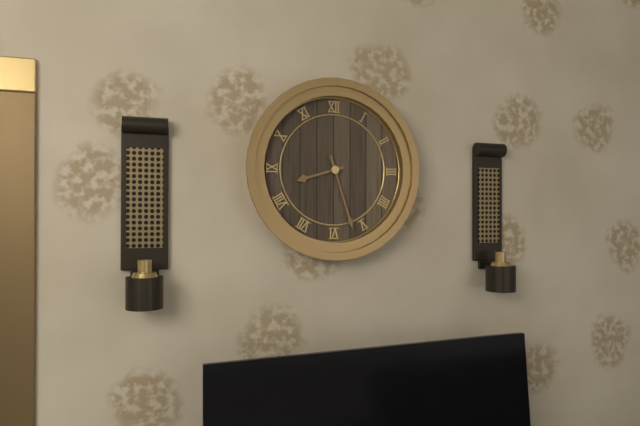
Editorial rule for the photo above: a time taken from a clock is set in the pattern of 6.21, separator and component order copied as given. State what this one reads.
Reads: 8.27
